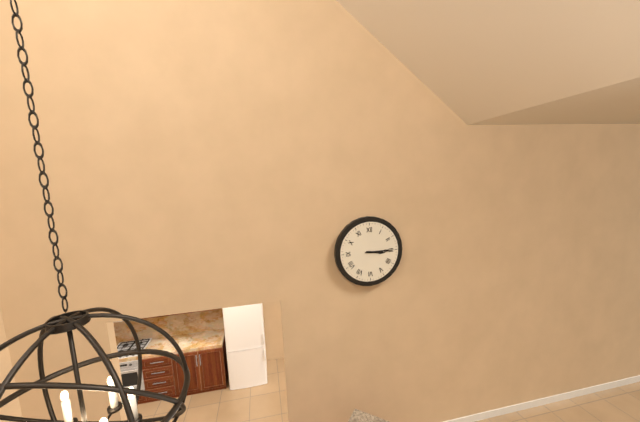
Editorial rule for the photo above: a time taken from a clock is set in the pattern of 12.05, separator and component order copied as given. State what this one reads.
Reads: 3.15
